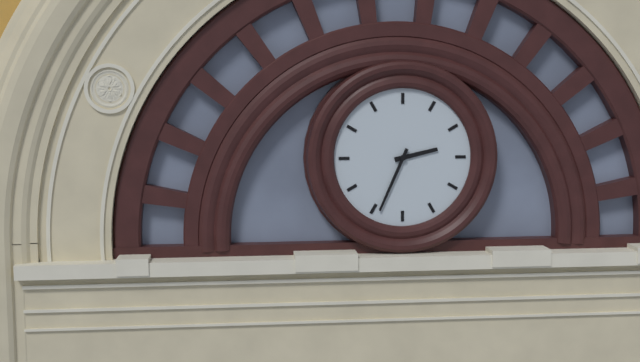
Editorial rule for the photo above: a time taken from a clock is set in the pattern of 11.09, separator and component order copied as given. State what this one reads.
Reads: 2.34
